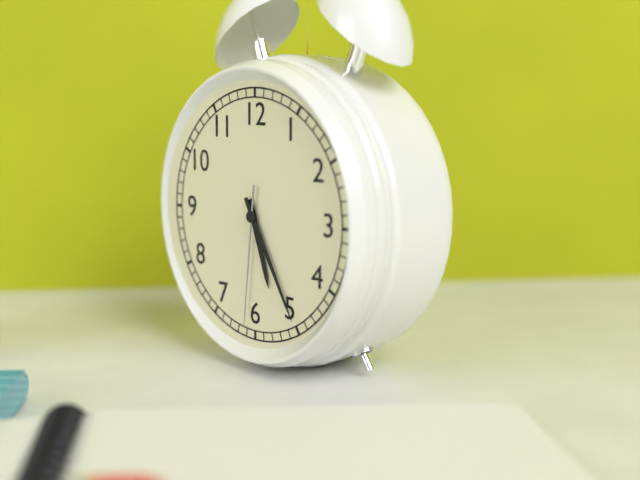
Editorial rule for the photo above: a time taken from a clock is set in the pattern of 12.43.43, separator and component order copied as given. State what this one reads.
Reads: 5.25.31
